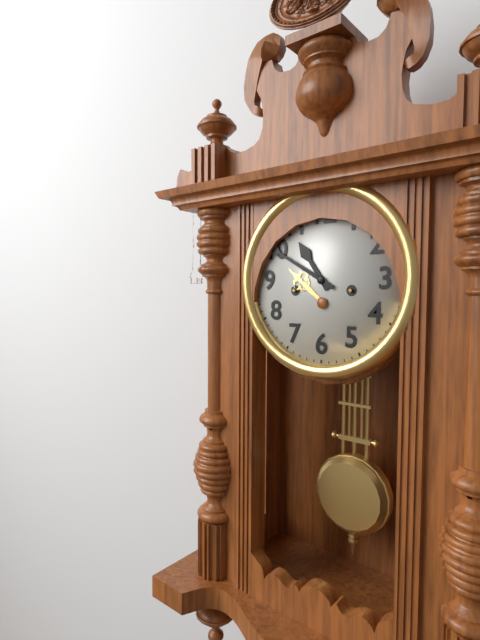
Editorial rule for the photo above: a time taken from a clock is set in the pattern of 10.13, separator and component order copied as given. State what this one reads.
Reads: 10.50
